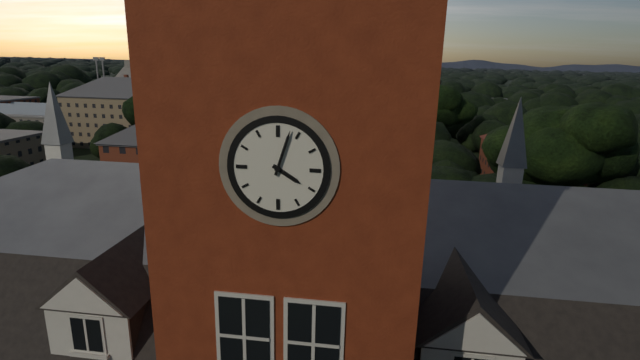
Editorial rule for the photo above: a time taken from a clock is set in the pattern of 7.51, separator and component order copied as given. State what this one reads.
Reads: 4.03
